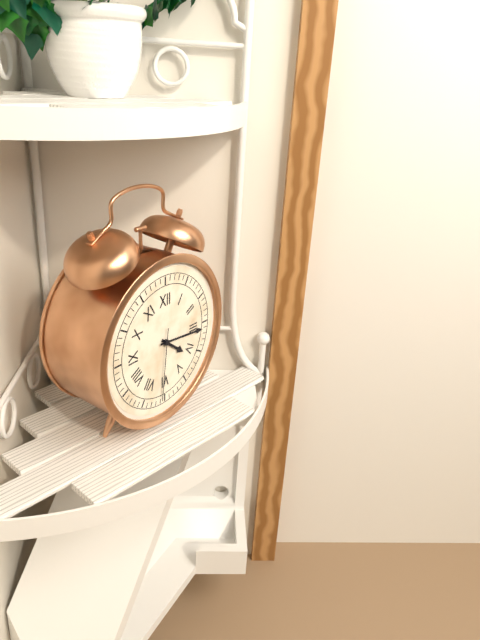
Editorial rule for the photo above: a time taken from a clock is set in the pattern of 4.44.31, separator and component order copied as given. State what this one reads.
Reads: 4.16.31
